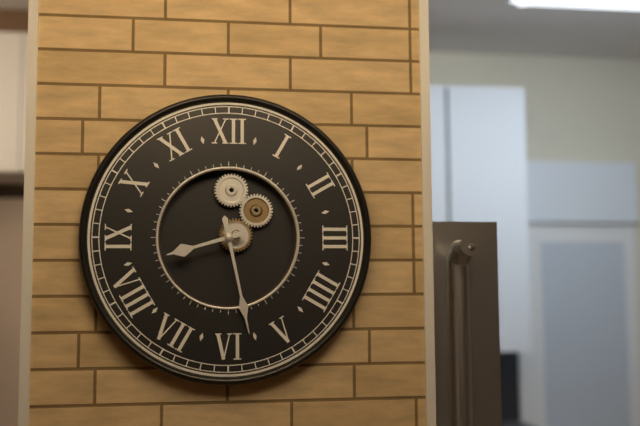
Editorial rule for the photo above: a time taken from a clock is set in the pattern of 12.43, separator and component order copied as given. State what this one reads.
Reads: 8.28
